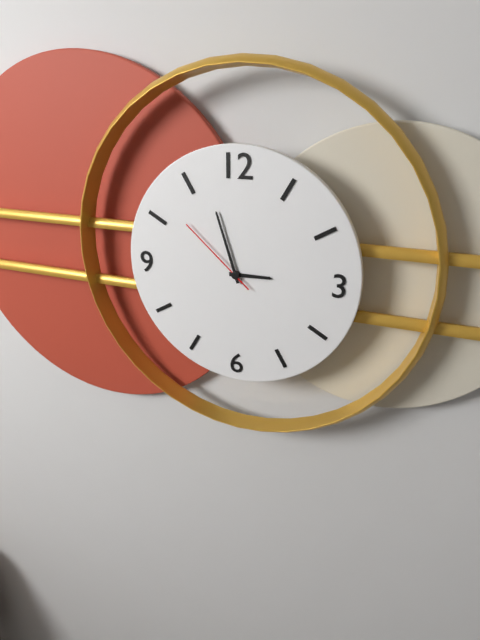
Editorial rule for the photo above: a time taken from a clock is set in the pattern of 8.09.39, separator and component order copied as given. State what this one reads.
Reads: 2.57.52
